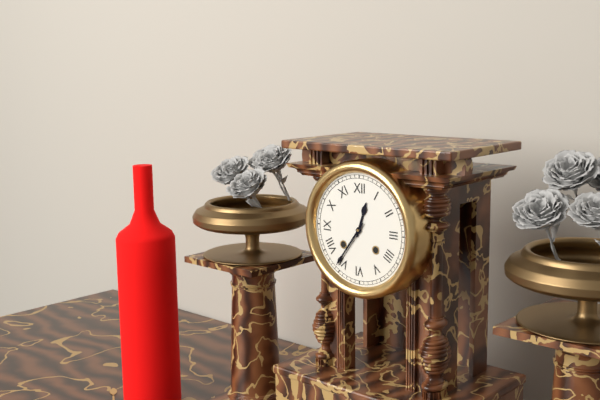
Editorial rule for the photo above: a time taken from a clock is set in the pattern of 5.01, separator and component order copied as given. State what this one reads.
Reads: 12.36
